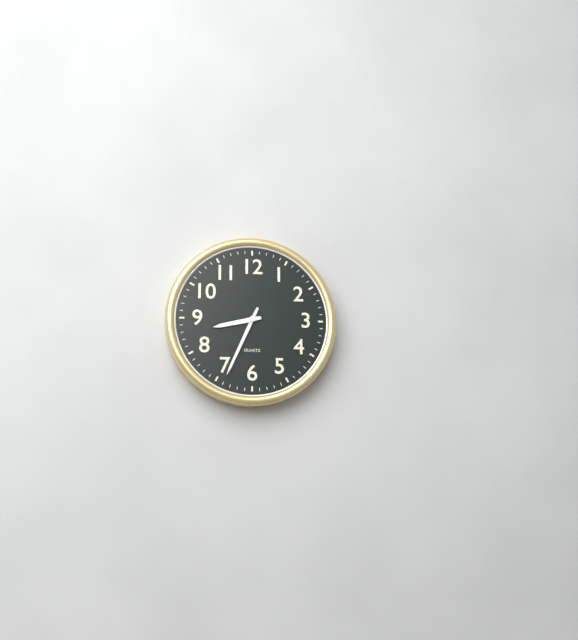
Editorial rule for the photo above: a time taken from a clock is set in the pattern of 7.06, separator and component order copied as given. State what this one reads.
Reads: 8.34
